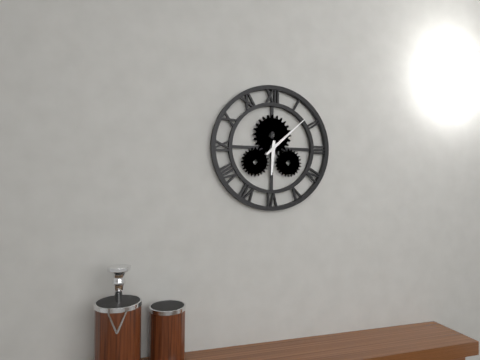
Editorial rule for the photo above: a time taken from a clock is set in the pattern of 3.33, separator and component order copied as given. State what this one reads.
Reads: 6.08
